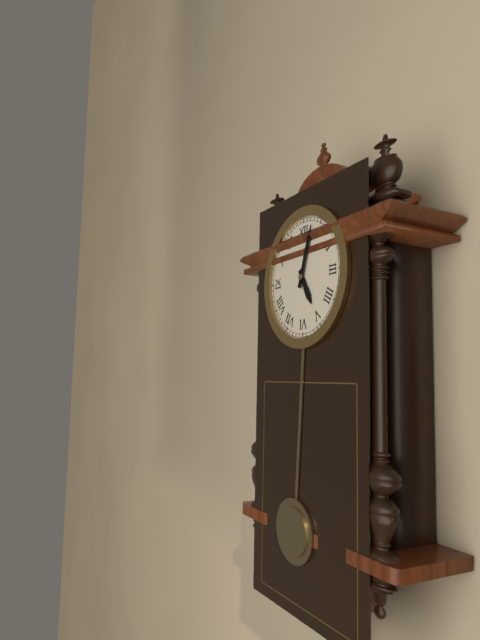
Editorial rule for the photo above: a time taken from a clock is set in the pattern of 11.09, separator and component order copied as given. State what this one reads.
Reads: 5.03
